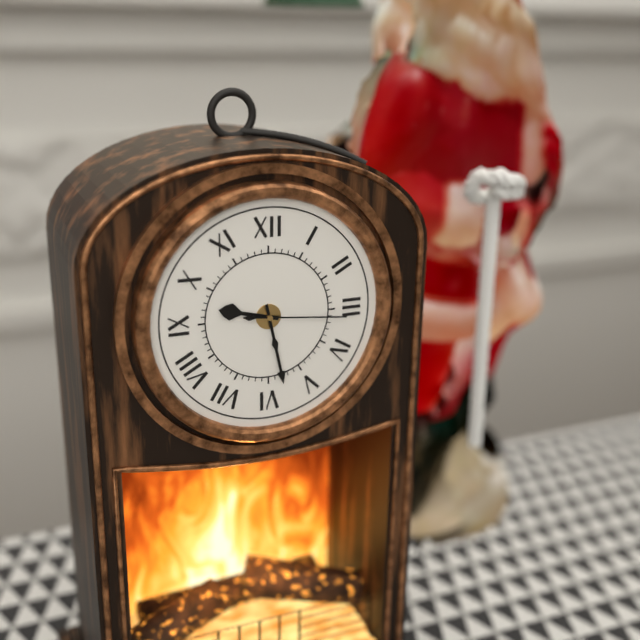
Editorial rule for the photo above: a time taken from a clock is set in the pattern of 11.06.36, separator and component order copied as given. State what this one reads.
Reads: 9.28.16
